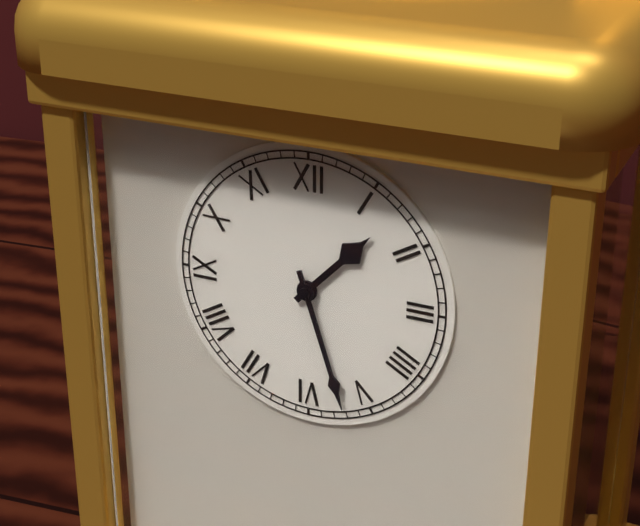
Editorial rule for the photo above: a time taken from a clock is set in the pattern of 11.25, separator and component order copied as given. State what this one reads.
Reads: 1.27
